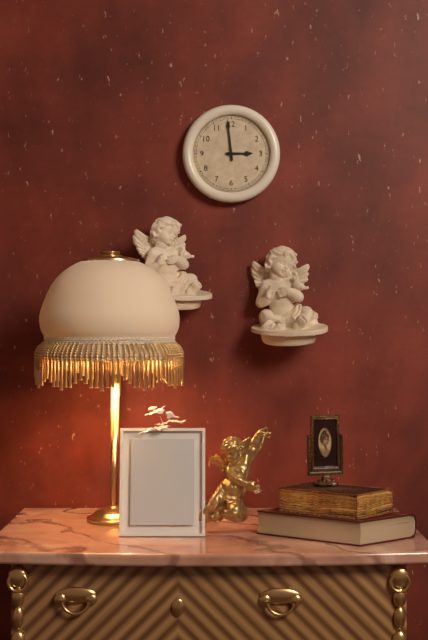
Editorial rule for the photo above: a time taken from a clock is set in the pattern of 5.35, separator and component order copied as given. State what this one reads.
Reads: 2.59
